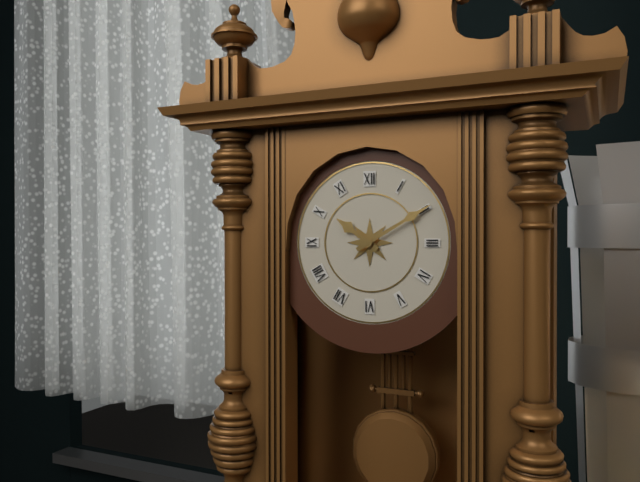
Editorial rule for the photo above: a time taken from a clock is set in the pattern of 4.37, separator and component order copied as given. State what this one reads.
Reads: 10.10
